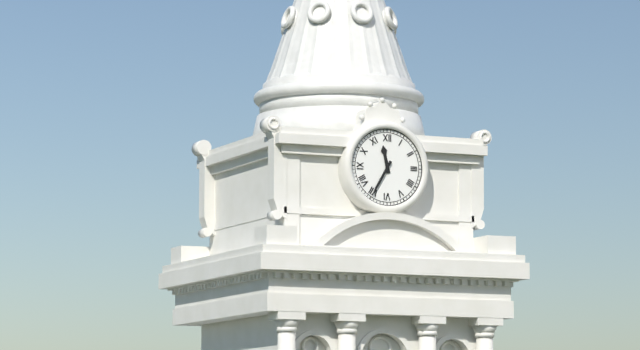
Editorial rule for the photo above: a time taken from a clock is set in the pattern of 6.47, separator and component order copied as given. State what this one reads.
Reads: 11.35
